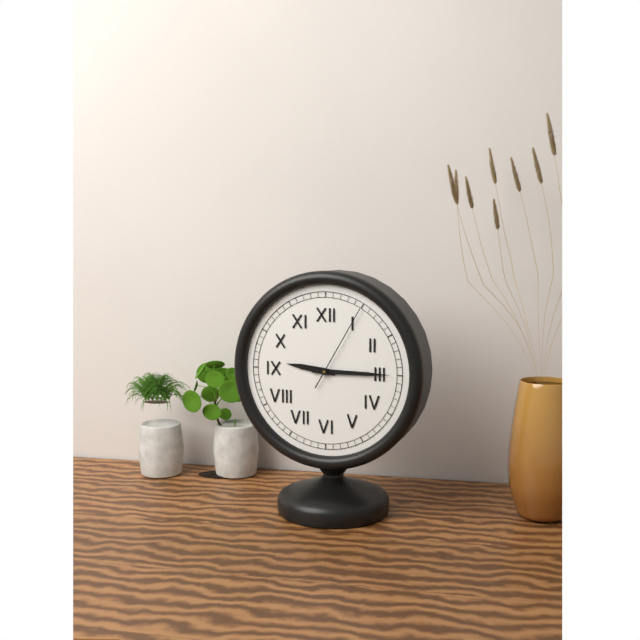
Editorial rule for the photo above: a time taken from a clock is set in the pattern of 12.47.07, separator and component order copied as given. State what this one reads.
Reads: 9.15.05
